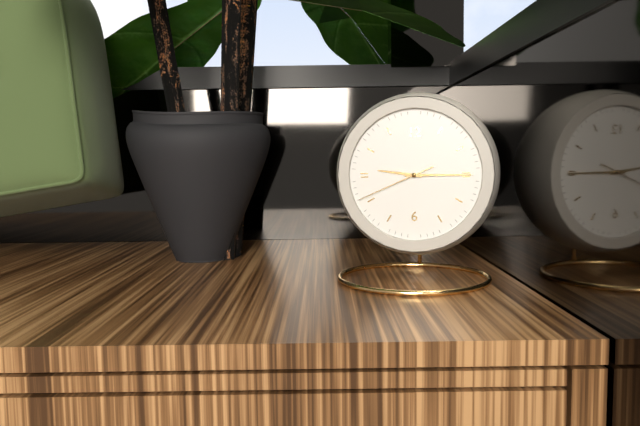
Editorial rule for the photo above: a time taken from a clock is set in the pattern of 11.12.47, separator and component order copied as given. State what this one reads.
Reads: 9.15.41
